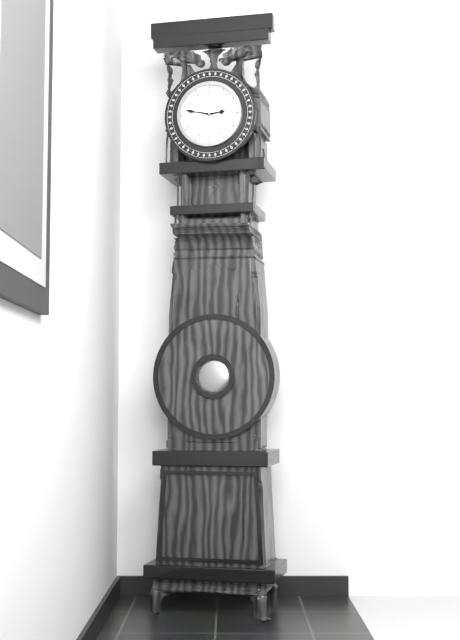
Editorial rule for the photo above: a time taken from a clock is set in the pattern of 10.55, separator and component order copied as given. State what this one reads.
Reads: 2.47
